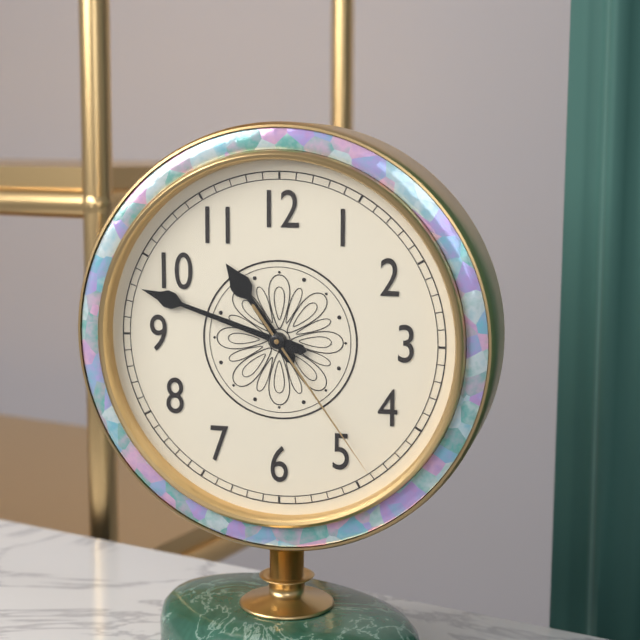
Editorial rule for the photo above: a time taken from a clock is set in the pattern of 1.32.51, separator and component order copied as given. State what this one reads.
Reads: 10.48.24
